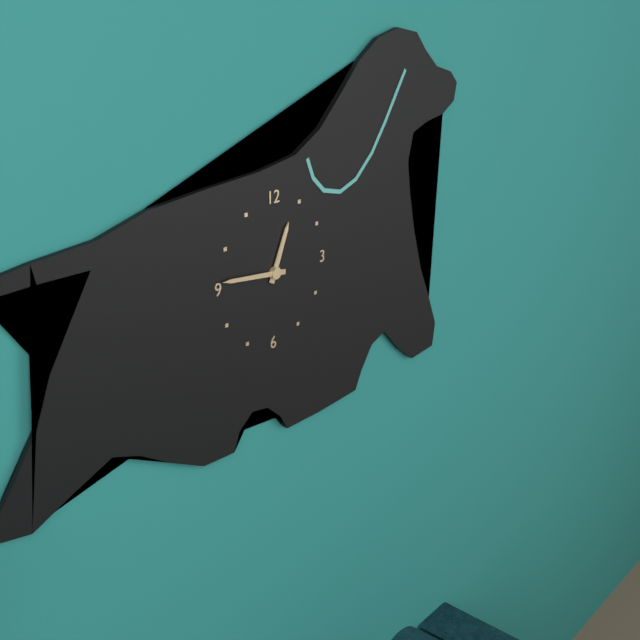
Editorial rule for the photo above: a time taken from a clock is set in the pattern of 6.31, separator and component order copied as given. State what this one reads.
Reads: 12.46
